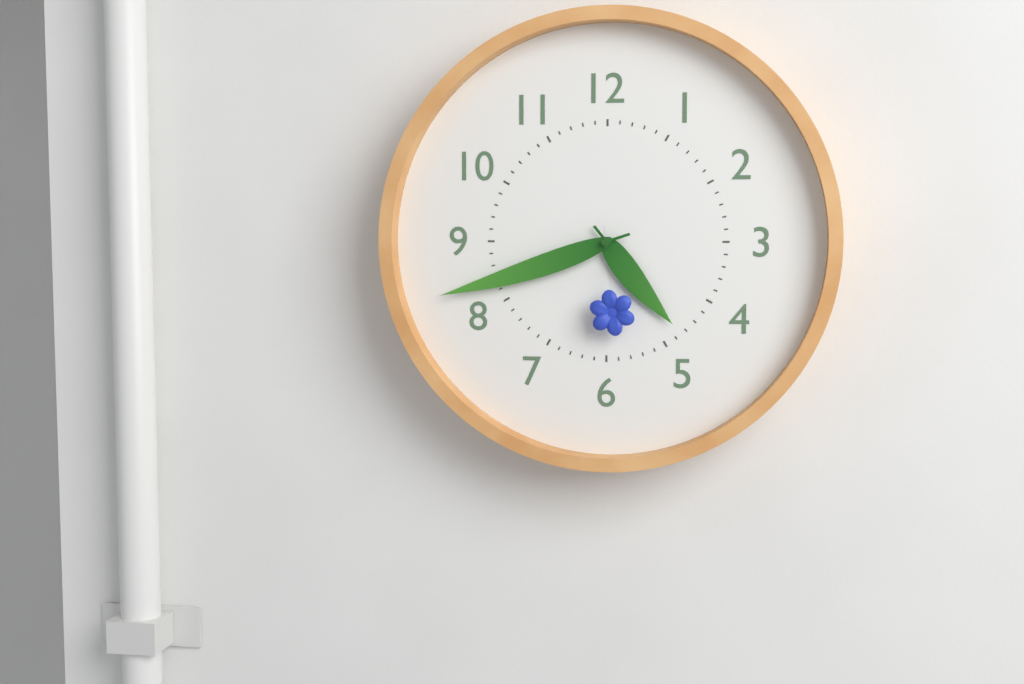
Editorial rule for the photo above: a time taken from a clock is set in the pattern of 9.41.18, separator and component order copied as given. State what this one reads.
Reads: 4.42.29
